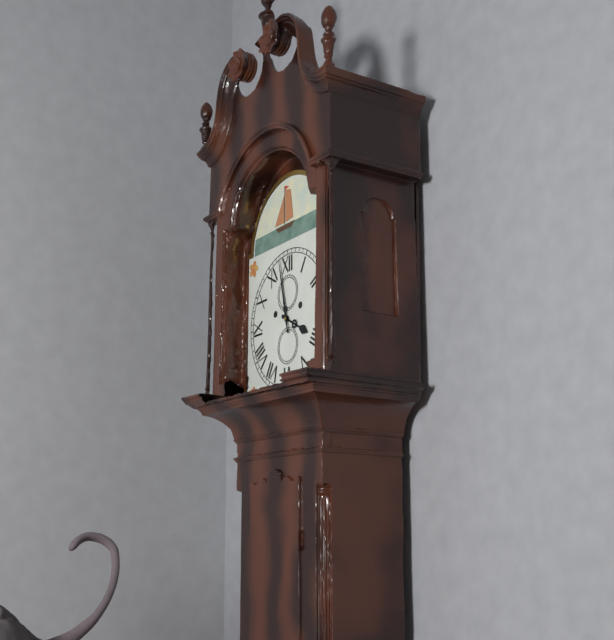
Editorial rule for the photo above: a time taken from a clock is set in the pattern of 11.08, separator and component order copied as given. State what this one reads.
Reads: 3.58
